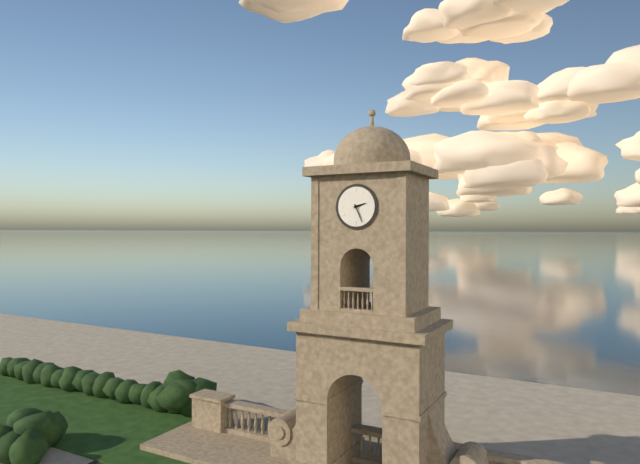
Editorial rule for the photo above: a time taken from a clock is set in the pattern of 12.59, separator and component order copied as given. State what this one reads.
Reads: 2.26
